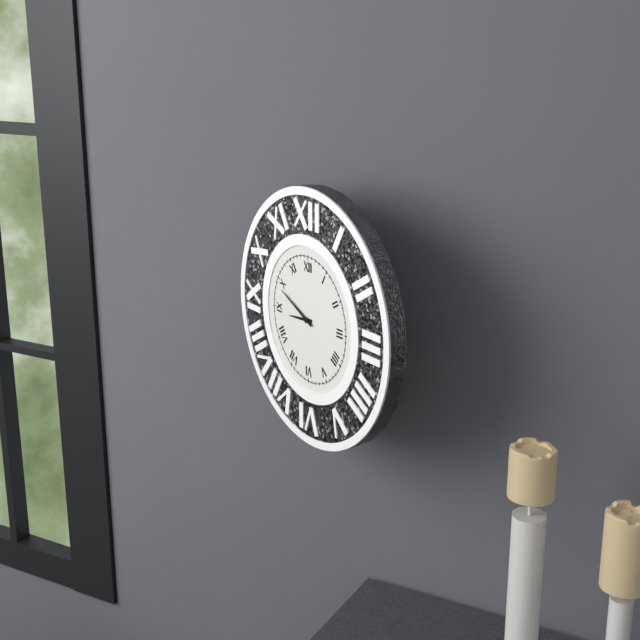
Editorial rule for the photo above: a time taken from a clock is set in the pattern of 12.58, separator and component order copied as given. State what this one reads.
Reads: 8.49
